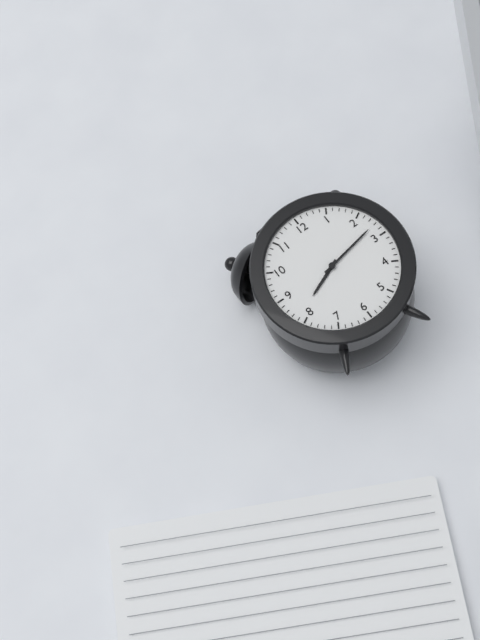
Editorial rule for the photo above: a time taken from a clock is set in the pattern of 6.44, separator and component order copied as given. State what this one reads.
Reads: 8.13
